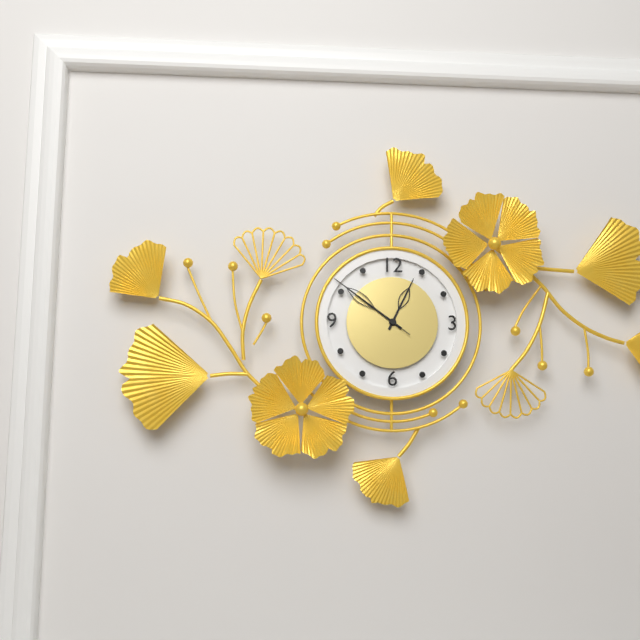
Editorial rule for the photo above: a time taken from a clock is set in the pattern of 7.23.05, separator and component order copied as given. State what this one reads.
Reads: 12.51.51
